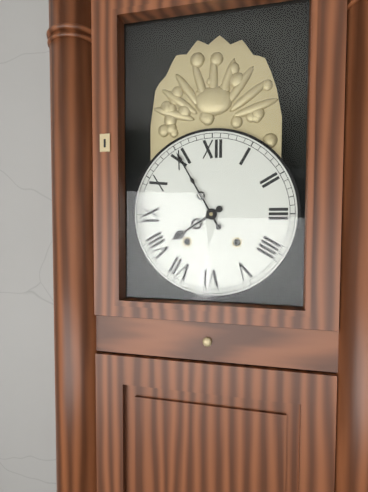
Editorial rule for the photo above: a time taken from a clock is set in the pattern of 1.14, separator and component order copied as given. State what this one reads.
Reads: 7.55
